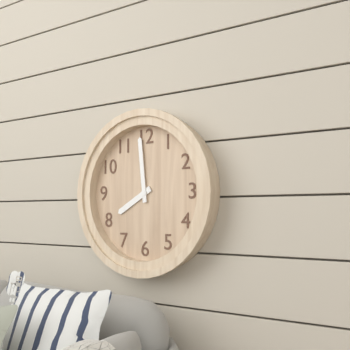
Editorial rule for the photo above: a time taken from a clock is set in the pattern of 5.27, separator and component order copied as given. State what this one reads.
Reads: 7.59
